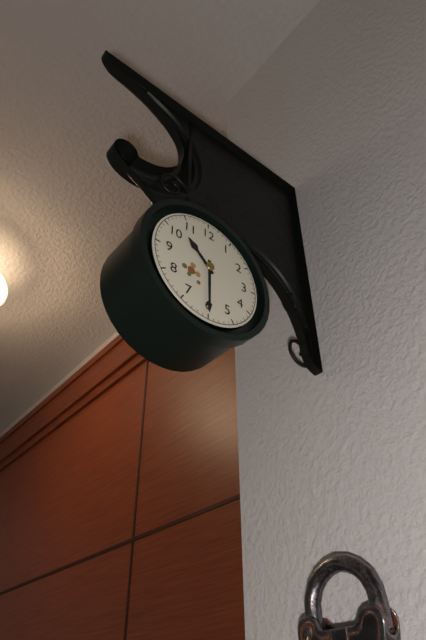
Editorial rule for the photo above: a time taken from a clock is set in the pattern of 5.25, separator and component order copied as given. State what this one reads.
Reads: 10.30
